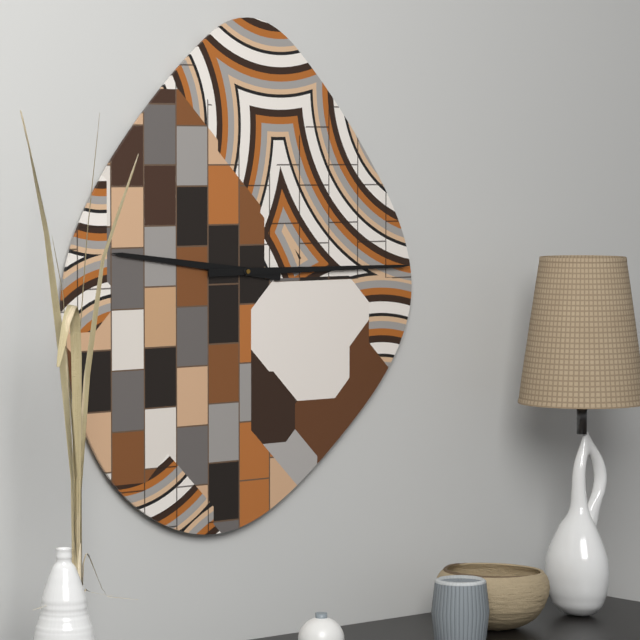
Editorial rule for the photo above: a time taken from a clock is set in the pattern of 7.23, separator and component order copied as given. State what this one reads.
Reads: 9.15
